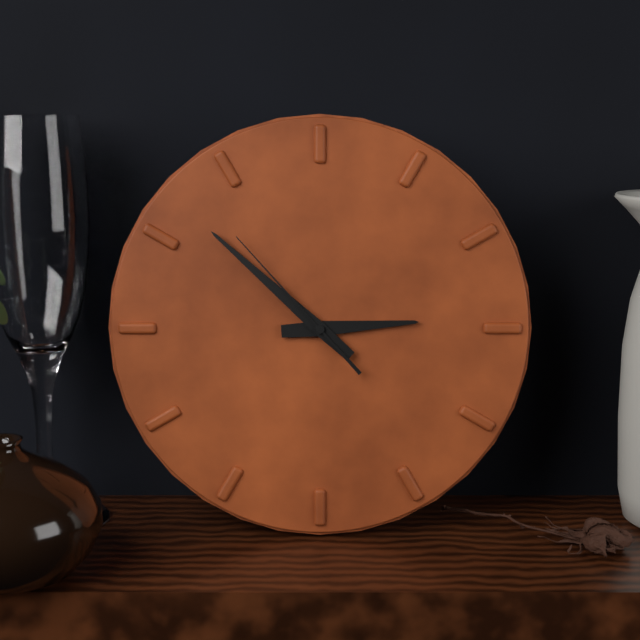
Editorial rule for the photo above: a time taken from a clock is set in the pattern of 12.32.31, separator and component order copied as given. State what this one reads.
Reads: 2.52.53
